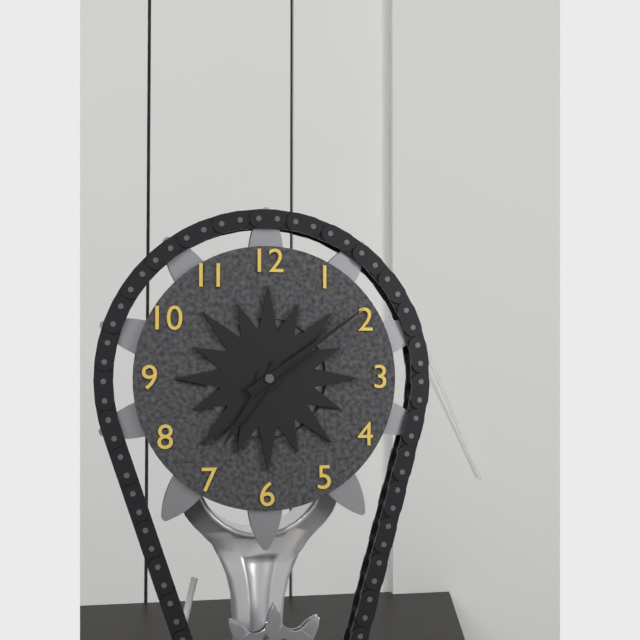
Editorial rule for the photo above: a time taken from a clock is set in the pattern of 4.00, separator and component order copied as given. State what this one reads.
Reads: 7.09
